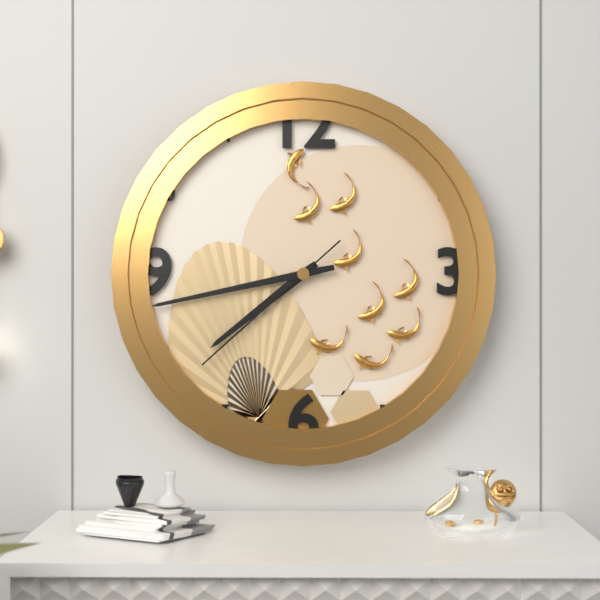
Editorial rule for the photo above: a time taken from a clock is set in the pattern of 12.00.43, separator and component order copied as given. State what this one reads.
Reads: 7.43.38
